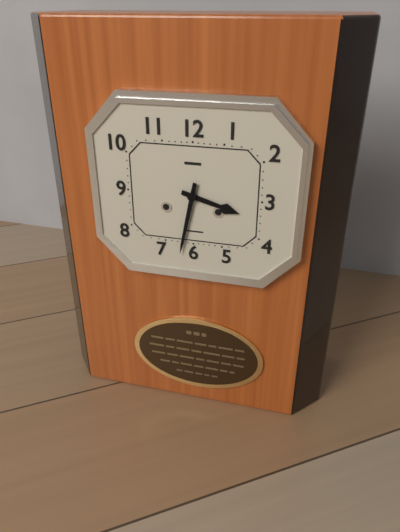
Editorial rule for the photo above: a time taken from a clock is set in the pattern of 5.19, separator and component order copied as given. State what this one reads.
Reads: 3.32
